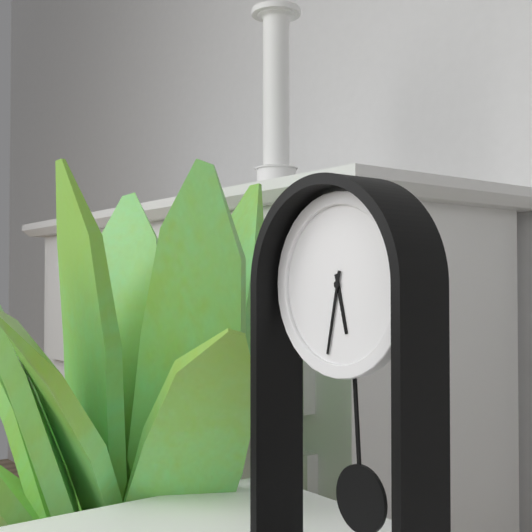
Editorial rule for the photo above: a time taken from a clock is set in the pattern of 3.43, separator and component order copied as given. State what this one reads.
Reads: 5.32
